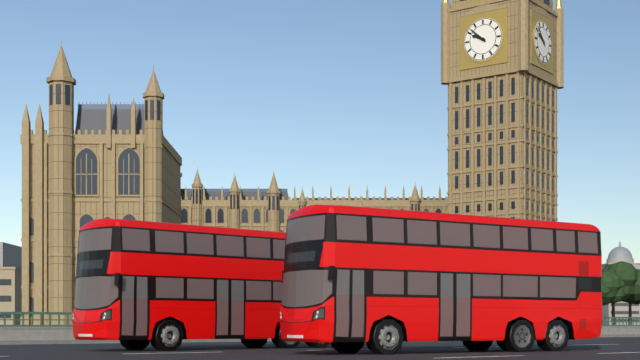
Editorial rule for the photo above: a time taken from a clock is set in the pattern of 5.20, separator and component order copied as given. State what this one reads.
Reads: 9.52
